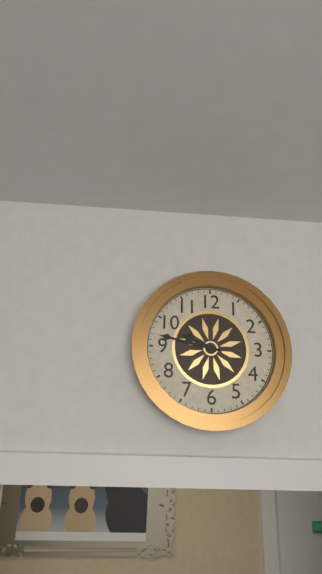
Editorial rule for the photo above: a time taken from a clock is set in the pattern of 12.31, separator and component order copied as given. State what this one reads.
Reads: 9.47
